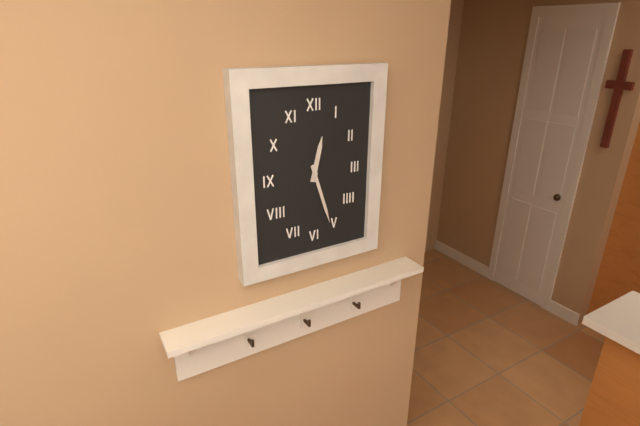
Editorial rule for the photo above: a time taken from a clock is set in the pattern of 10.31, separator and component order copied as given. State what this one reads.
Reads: 12.27
